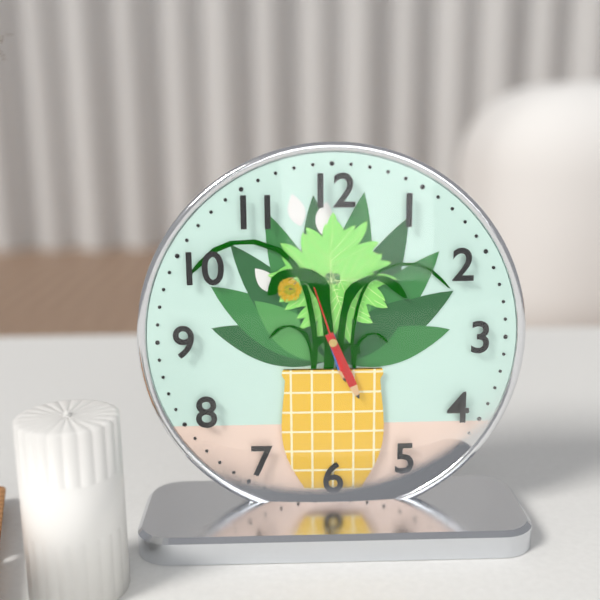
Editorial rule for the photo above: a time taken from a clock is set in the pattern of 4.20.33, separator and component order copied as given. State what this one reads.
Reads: 5.26.57
